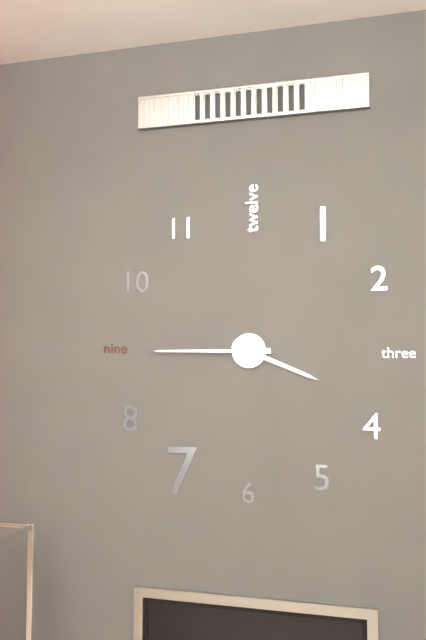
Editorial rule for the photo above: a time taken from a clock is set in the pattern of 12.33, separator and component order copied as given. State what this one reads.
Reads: 3.45
